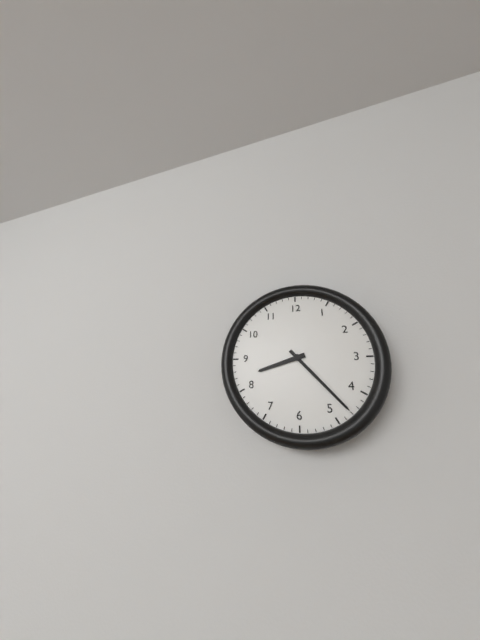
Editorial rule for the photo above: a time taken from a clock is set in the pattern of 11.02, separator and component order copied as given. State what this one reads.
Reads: 8.23
